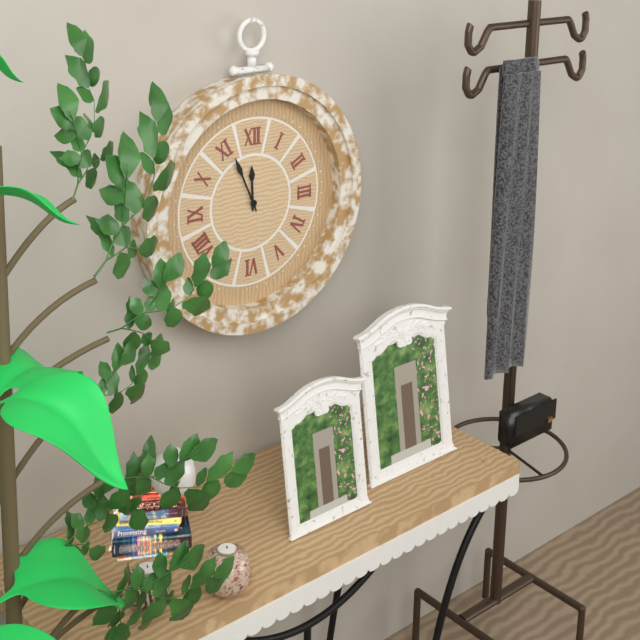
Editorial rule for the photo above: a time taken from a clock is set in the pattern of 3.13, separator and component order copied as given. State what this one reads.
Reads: 11.56
